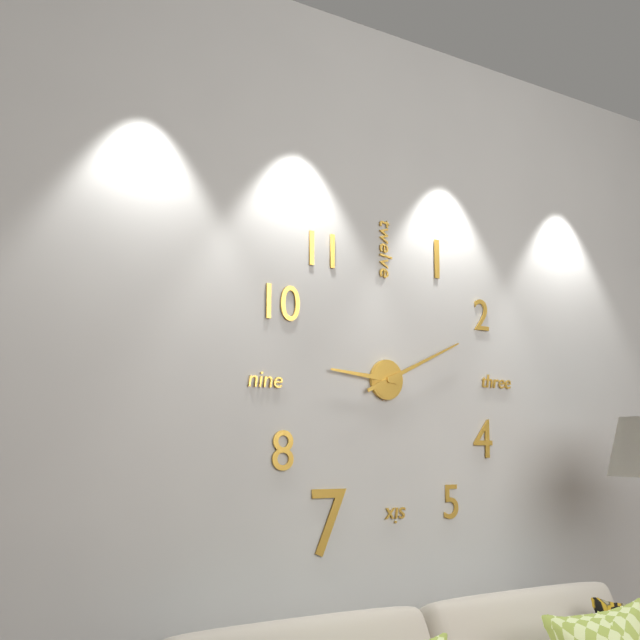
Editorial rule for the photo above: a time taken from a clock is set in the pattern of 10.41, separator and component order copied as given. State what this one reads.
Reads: 9.11
